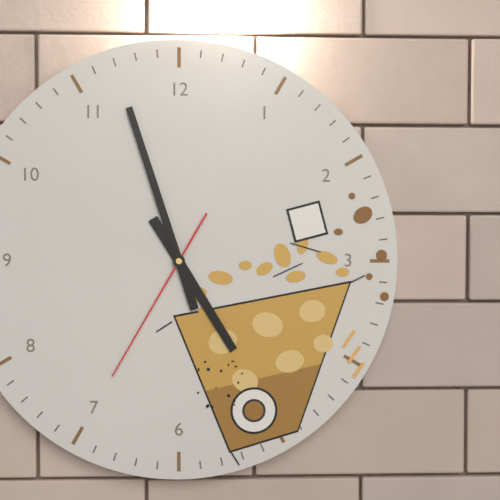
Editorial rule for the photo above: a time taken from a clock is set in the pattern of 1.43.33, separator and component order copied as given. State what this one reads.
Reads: 4.57.35
